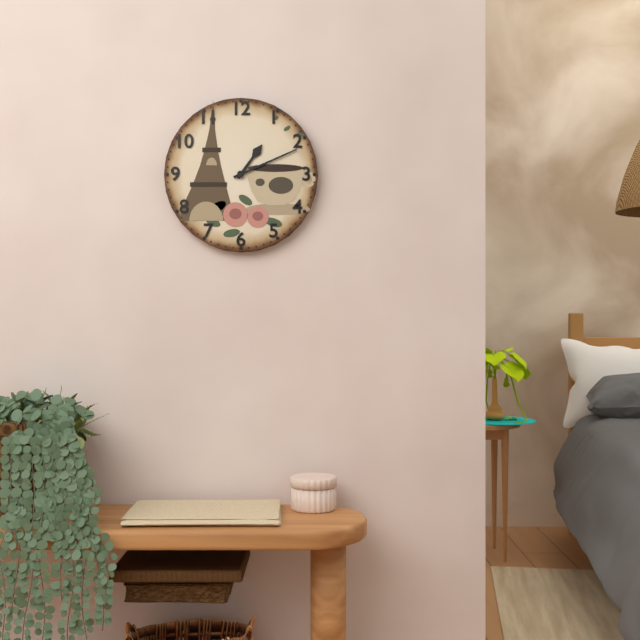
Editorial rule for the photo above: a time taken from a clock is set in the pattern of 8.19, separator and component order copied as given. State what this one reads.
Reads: 1.11
